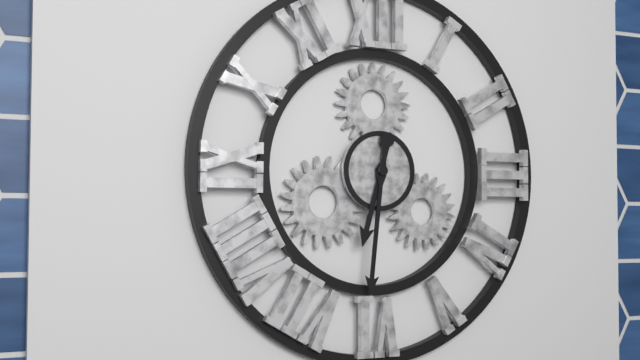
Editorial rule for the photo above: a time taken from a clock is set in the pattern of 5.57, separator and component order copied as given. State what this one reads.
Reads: 6.31
